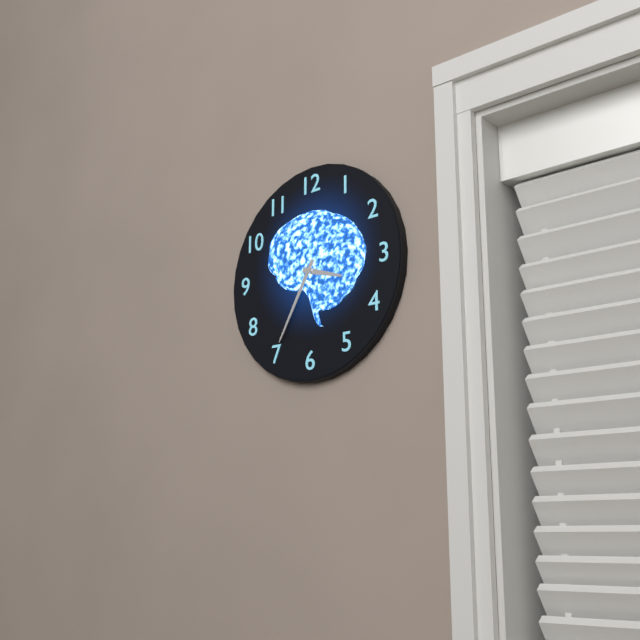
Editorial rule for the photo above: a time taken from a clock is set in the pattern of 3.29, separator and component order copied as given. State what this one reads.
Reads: 3.35
